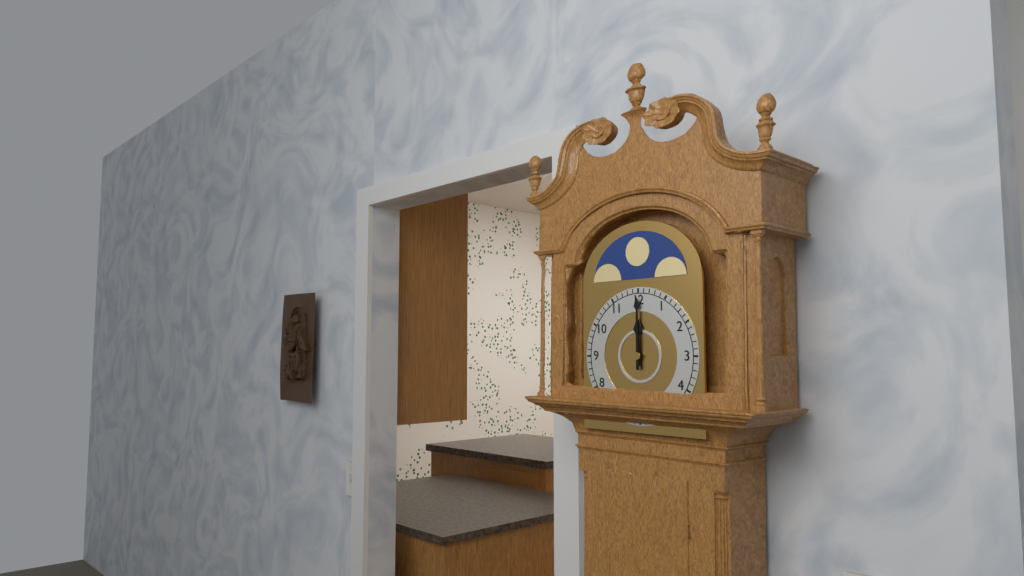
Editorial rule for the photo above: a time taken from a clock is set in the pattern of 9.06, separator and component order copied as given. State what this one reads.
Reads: 12.00
